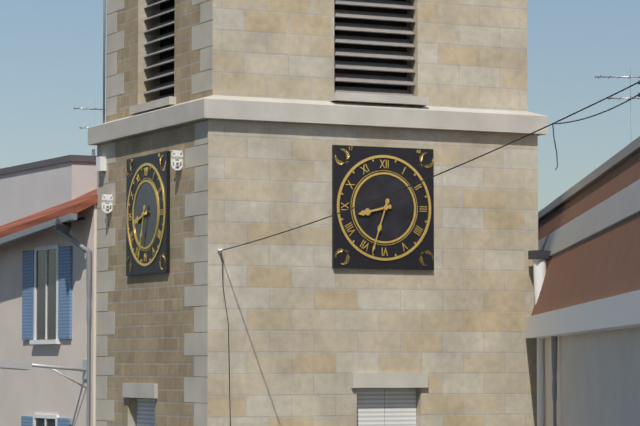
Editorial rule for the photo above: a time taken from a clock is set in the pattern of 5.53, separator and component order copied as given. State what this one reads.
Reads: 8.33
